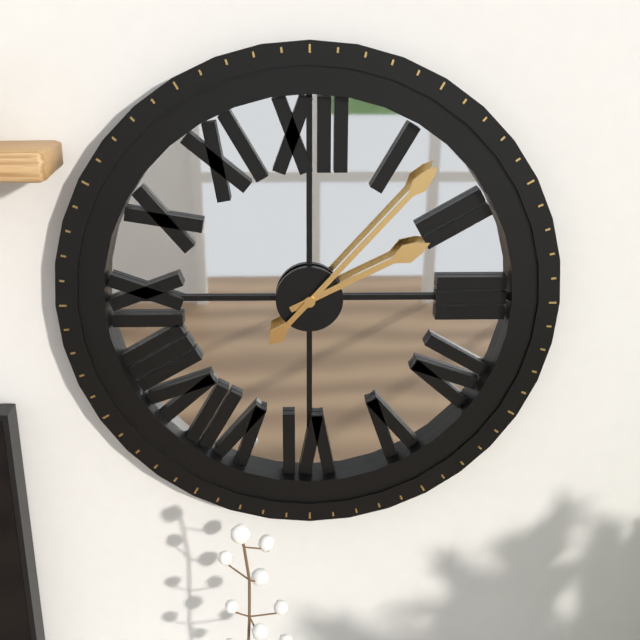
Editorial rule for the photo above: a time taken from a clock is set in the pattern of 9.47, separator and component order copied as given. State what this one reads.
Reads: 2.07
